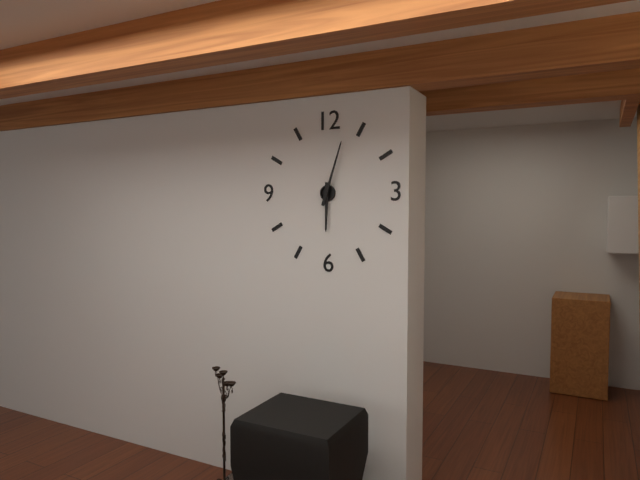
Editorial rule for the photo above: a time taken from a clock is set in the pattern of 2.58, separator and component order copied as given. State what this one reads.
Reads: 6.03
